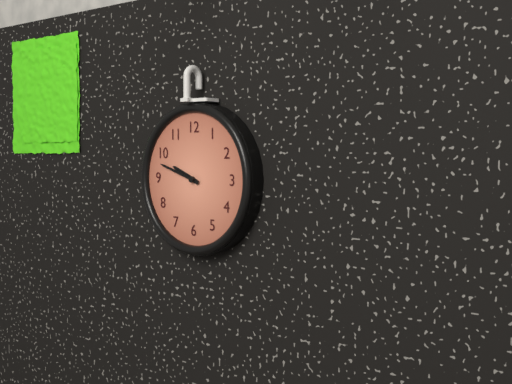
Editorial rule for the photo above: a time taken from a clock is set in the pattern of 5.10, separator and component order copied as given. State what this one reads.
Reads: 9.48
